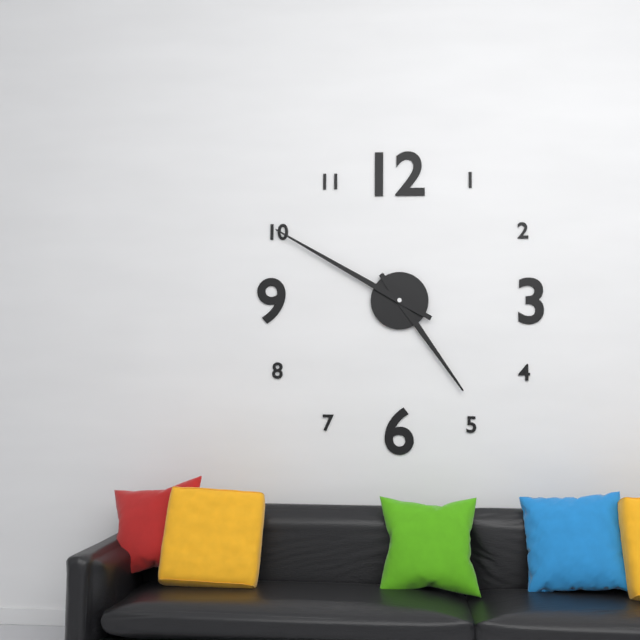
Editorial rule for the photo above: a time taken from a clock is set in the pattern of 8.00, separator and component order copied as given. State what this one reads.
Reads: 4.50
